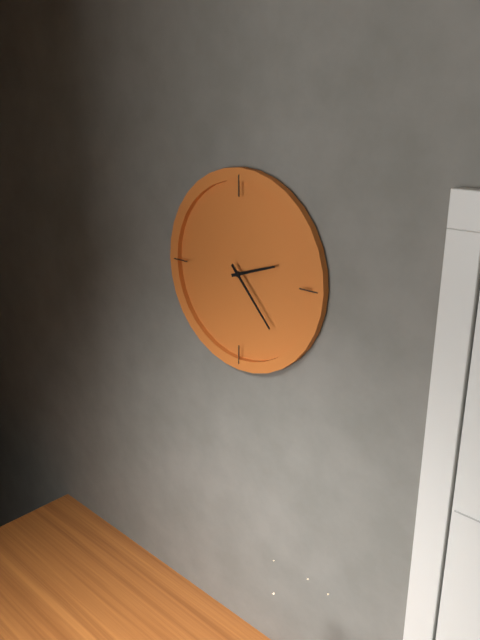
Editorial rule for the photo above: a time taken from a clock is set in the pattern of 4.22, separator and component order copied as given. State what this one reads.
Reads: 2.23
